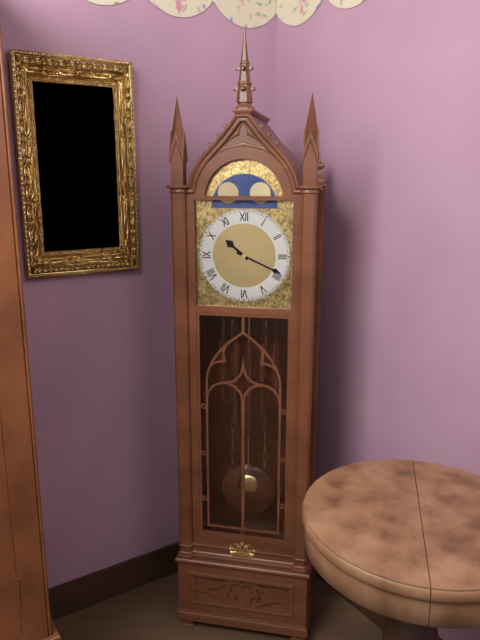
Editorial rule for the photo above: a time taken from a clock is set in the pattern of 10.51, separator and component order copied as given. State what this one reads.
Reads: 10.19
